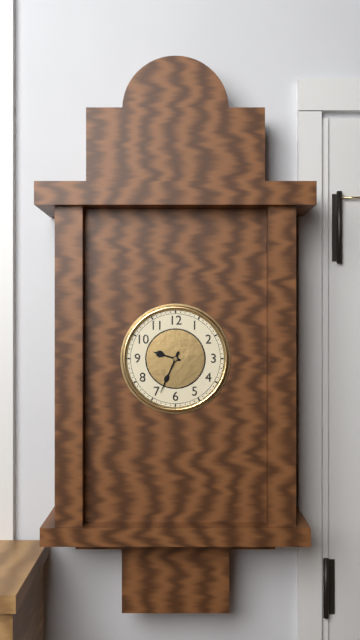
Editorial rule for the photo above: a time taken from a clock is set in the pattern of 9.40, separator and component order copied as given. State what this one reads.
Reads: 9.34
